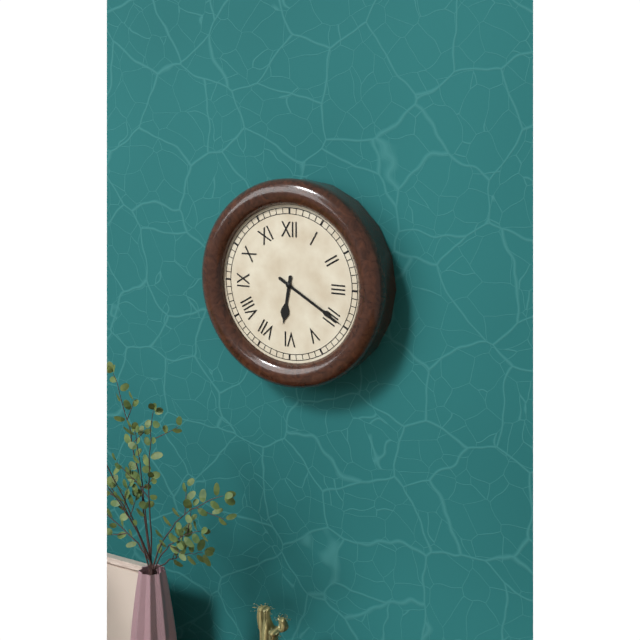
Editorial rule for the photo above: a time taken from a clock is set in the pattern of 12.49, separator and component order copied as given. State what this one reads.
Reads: 6.20
